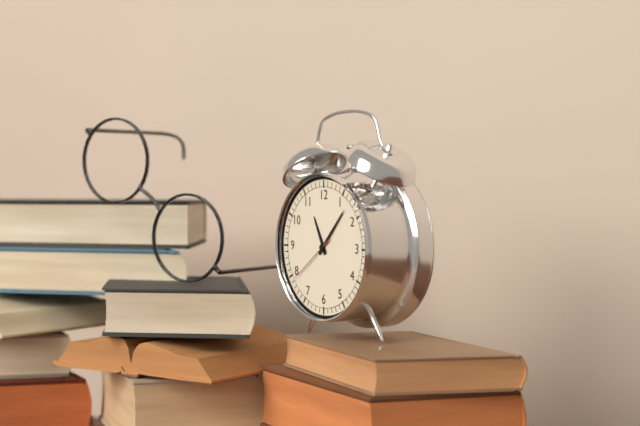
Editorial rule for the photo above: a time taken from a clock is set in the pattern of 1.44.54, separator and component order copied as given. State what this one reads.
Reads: 11.07.39
